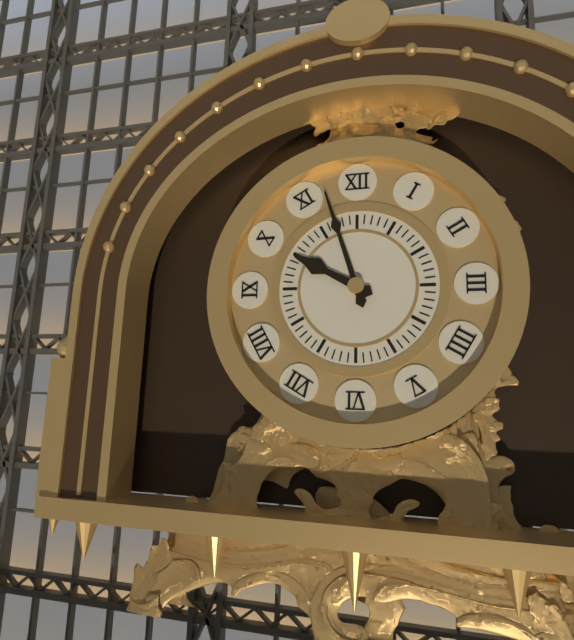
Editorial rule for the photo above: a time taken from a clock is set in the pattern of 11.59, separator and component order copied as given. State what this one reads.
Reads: 9.57
